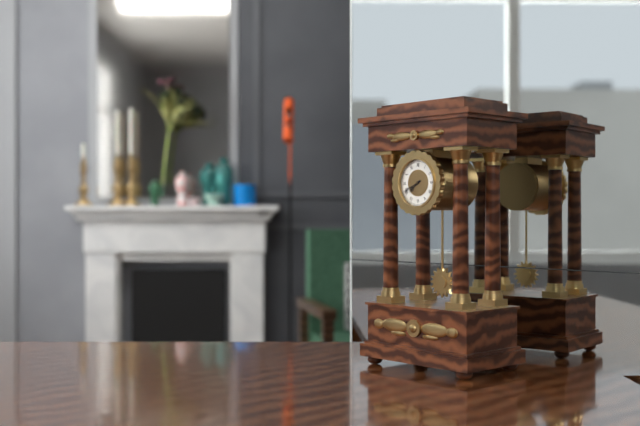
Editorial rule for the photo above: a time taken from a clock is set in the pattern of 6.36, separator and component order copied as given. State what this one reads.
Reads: 7.41
